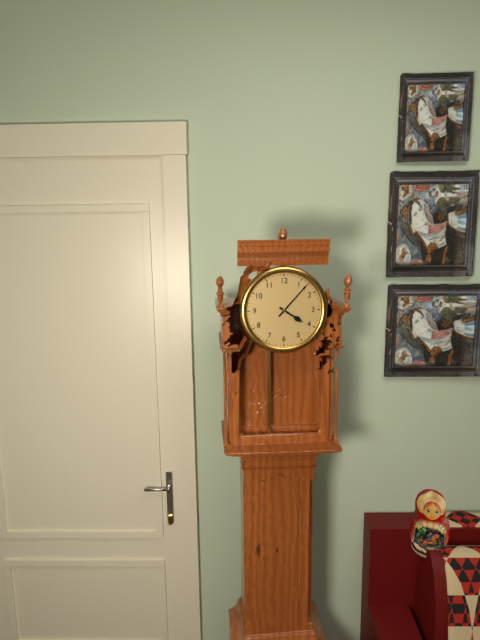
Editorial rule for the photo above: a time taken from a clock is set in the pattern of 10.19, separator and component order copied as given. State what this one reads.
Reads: 4.07
